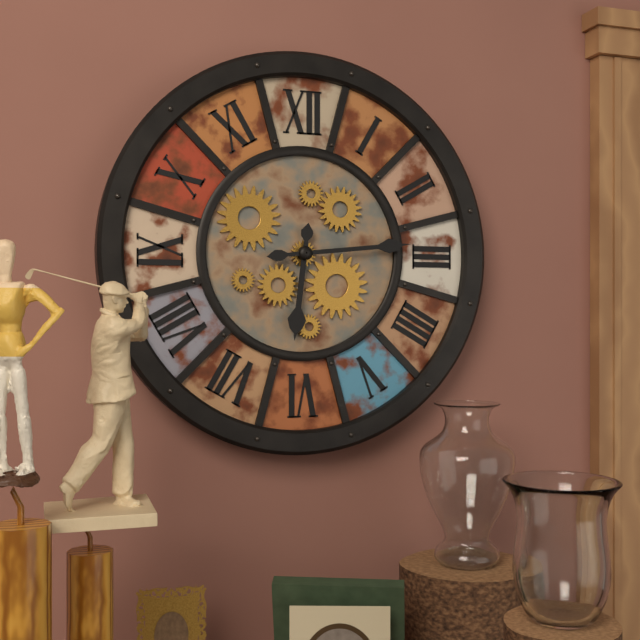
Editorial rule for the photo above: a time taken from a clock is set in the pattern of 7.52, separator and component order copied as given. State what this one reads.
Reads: 6.14
